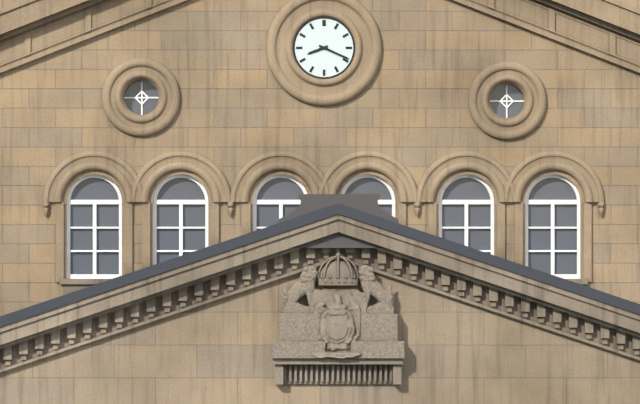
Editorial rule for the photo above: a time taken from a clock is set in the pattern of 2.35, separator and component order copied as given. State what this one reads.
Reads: 8.19
